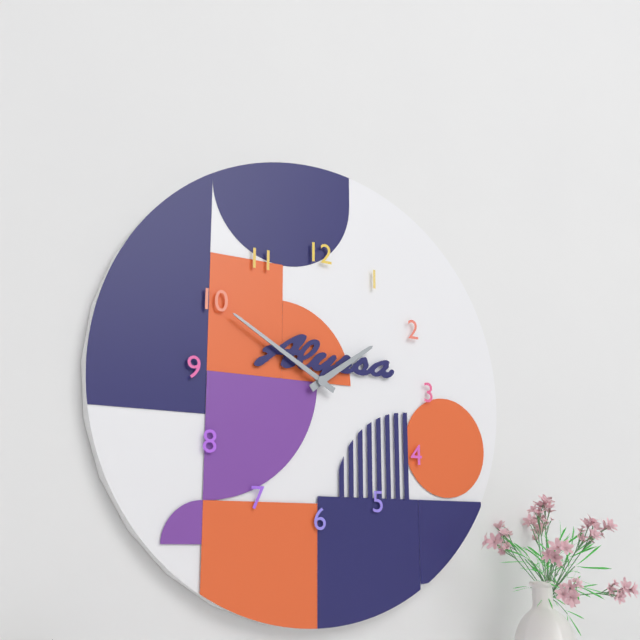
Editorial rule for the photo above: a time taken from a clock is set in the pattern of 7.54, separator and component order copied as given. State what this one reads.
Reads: 1.50
